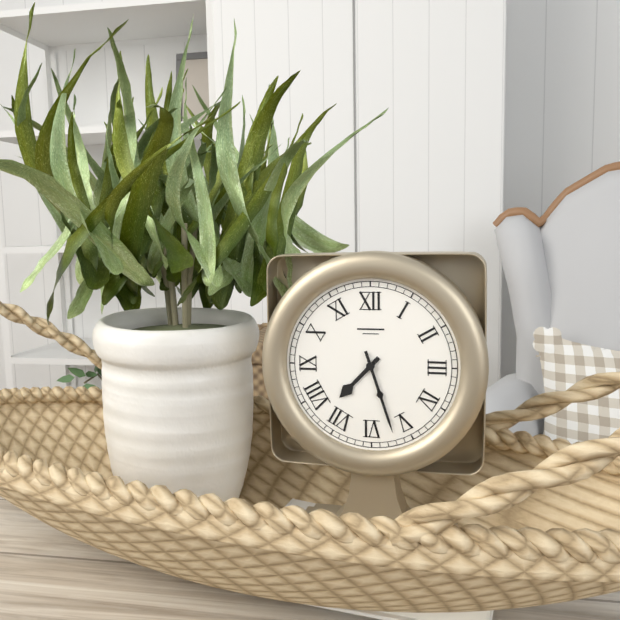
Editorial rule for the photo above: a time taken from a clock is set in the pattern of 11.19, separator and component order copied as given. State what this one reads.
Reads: 7.27
